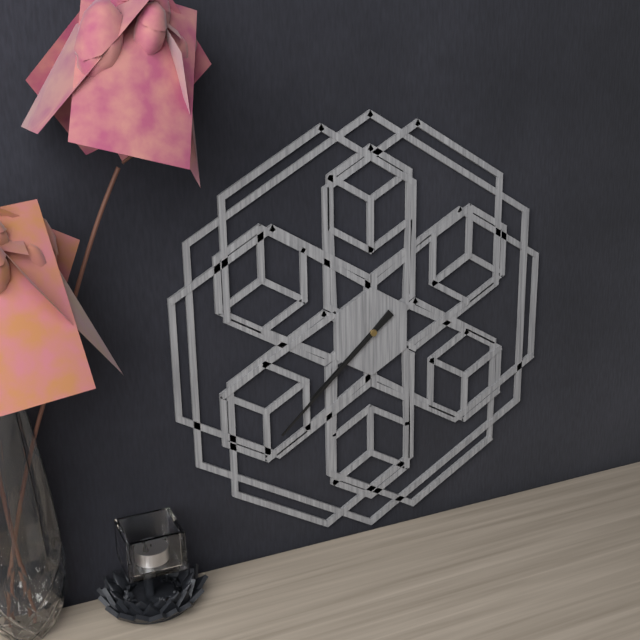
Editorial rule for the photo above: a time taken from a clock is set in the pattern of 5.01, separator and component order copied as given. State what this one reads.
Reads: 7.38
